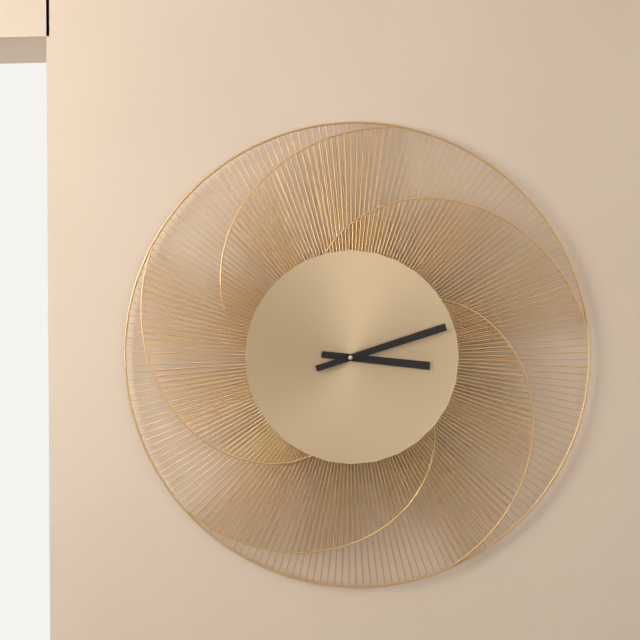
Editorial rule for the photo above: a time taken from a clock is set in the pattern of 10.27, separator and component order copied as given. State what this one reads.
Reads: 3.12
